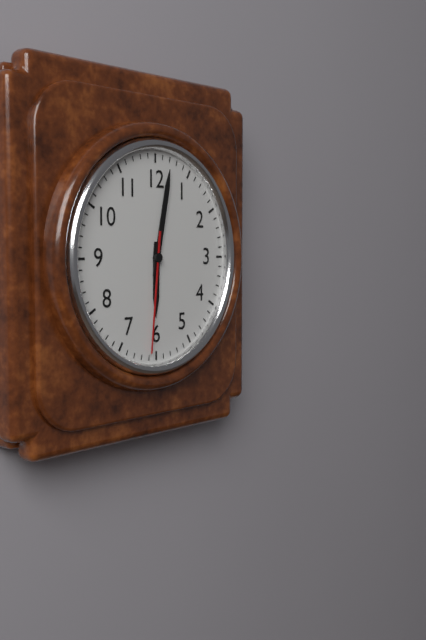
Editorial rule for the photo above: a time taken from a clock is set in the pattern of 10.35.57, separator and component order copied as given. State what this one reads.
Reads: 6.02.31
